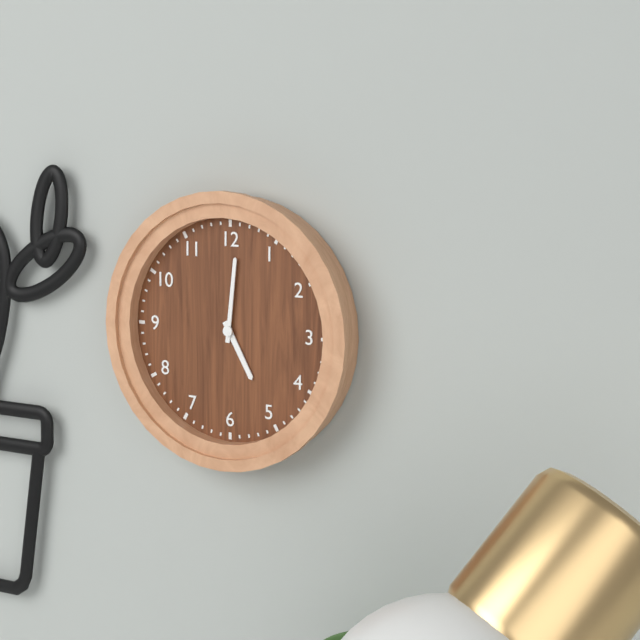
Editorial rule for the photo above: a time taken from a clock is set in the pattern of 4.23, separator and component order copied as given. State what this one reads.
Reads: 5.01
